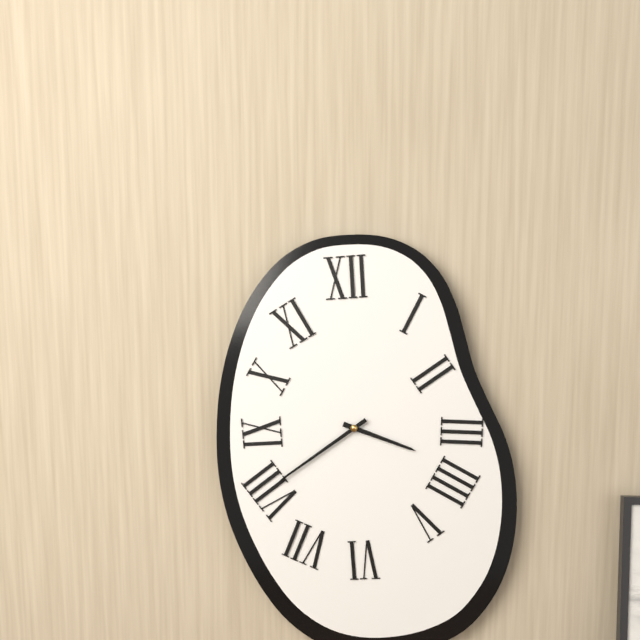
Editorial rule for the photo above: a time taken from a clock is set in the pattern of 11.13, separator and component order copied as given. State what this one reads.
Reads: 3.39
